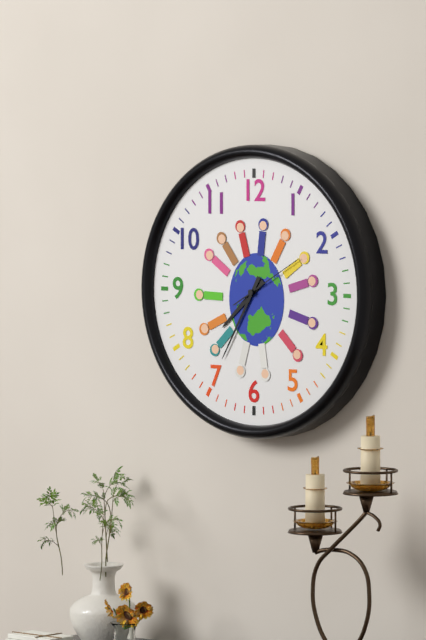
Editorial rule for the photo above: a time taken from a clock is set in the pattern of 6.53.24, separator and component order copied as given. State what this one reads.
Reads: 7.35.10
